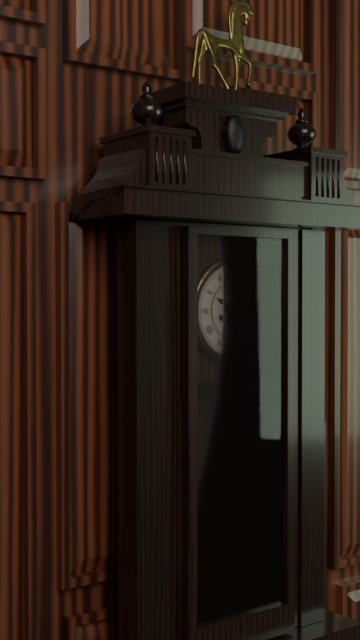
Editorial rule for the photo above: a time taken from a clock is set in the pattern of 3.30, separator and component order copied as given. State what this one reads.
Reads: 9.57
